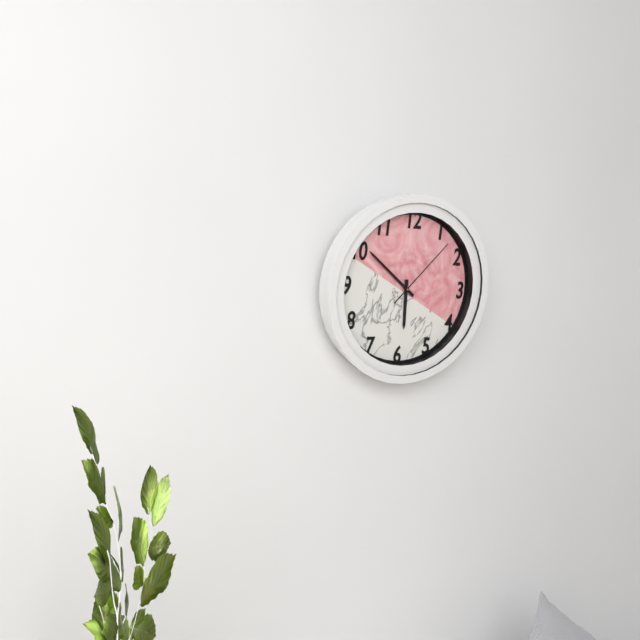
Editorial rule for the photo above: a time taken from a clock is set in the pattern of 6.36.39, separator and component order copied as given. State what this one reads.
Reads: 5.51.07
